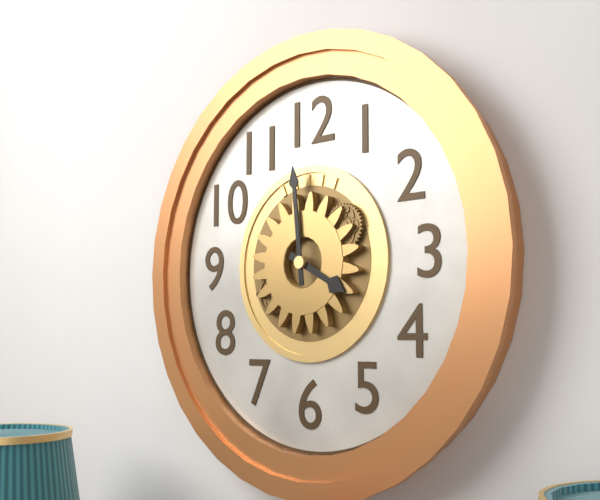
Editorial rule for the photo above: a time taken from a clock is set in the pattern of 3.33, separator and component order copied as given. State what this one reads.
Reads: 3.59
